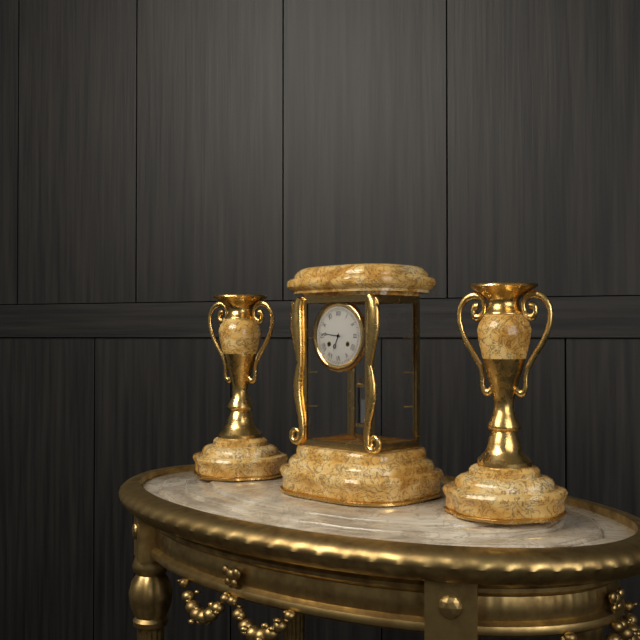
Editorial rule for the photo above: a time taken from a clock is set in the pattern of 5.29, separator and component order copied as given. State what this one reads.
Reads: 6.46
